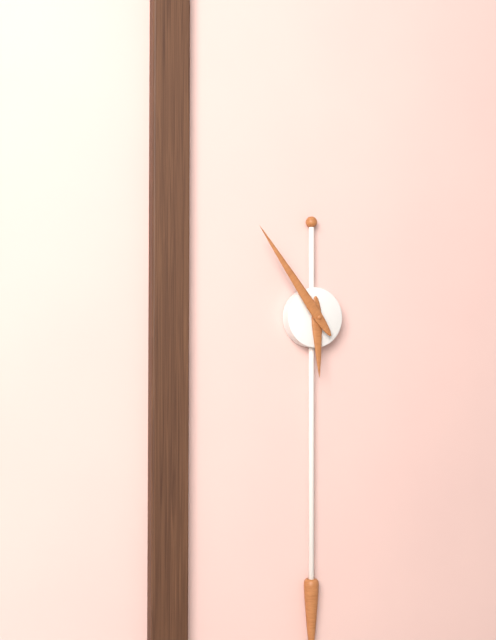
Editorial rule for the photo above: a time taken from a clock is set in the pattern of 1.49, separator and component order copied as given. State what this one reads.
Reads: 5.54
